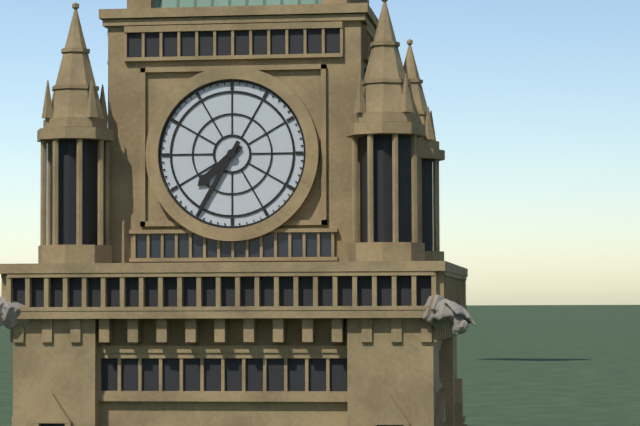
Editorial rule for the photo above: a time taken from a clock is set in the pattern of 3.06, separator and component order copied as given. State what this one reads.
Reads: 7.35
